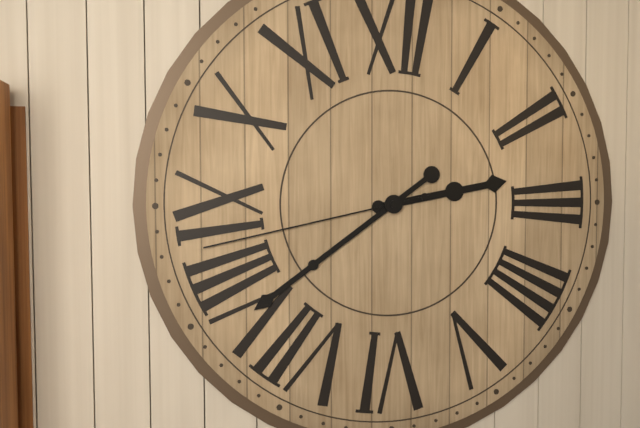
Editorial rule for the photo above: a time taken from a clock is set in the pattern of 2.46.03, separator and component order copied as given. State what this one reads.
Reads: 2.39.43
